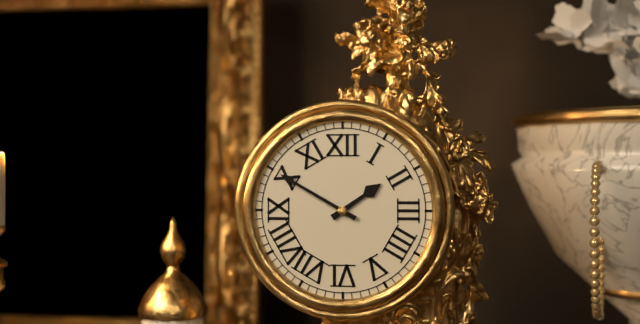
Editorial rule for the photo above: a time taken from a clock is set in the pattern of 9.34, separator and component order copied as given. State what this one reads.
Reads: 1.50
